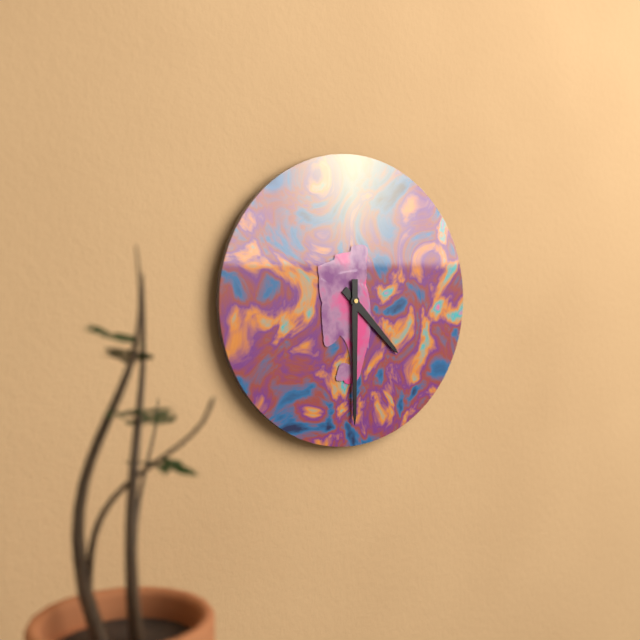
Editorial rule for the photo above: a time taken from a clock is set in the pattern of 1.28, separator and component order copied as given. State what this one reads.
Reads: 4.30
